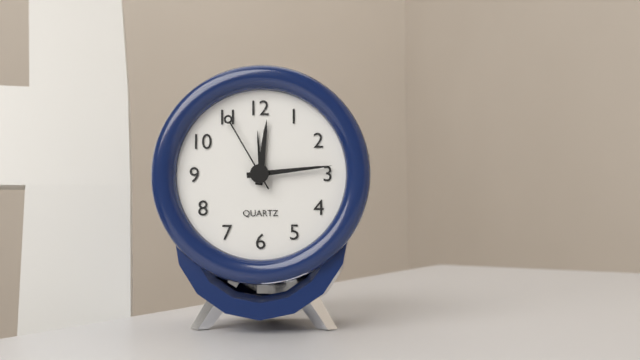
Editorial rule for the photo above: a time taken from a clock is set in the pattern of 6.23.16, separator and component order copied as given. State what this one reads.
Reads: 12.14.55
